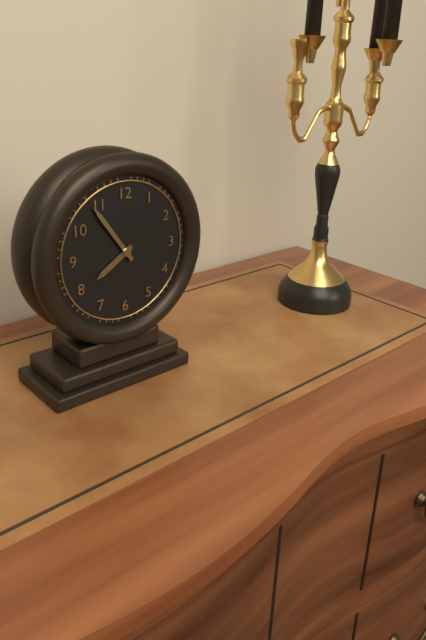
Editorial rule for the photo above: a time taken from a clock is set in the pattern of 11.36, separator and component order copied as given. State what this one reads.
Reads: 7.54
